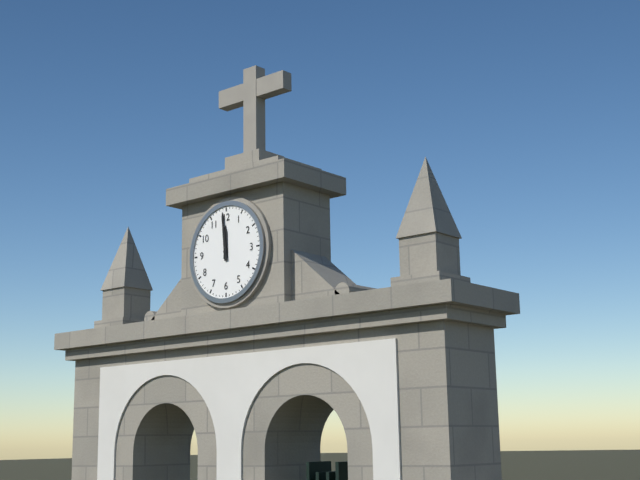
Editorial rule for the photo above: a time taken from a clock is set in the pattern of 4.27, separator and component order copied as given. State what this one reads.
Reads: 11.59
